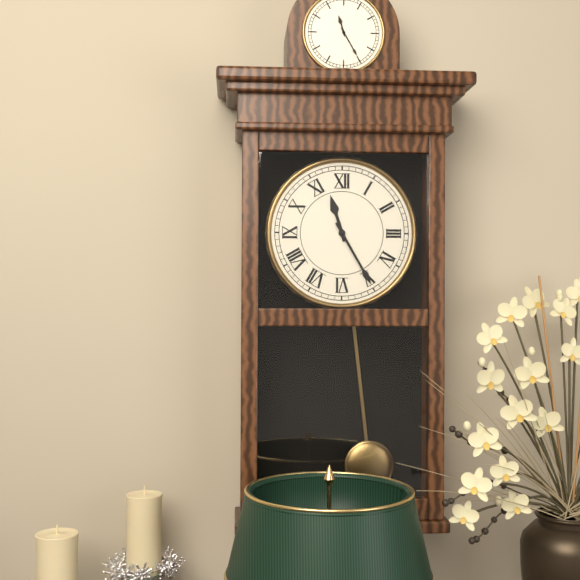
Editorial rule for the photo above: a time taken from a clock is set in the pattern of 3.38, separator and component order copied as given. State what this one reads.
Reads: 11.25
